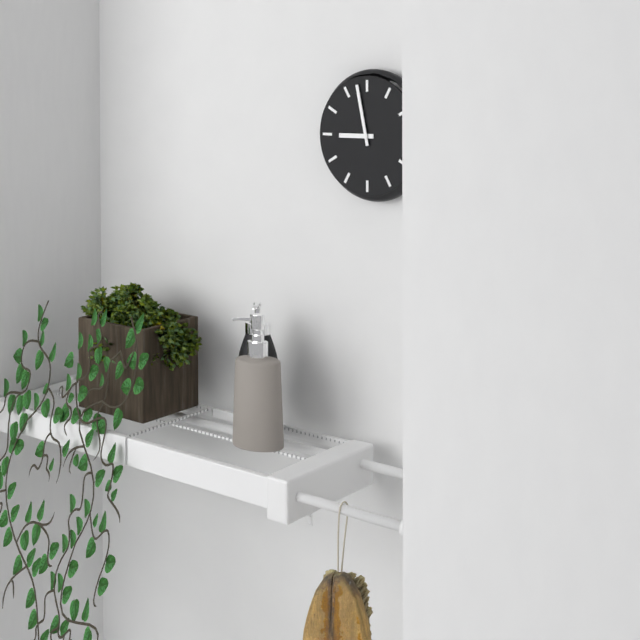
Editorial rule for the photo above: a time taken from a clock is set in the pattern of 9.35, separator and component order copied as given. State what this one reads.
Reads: 8.58
